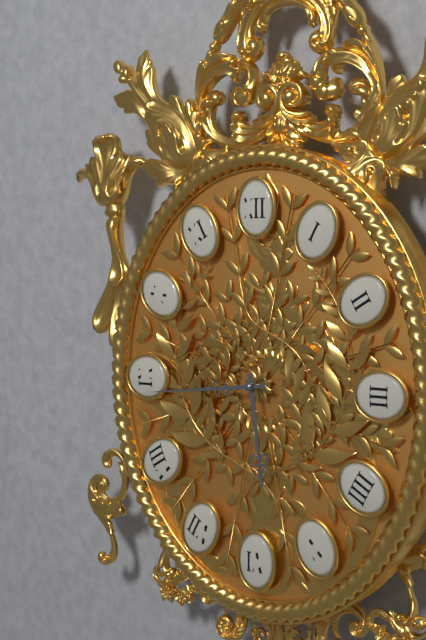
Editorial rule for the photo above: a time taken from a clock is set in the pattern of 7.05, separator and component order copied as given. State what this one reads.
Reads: 5.44
